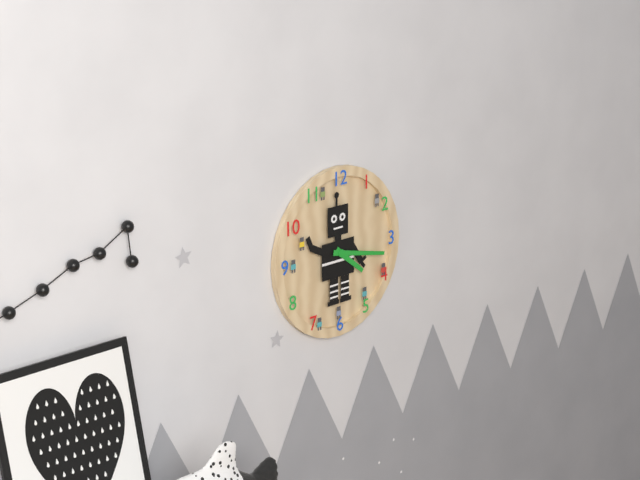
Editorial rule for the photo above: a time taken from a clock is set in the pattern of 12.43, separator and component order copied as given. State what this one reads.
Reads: 4.17
